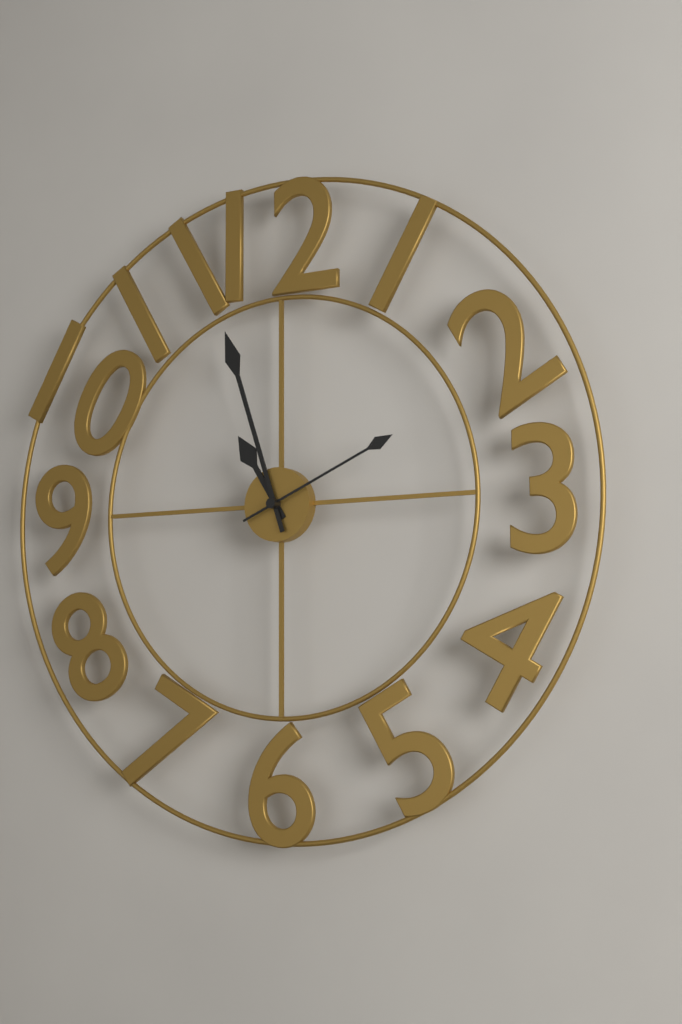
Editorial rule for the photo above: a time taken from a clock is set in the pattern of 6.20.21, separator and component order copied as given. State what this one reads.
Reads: 10.57.11
